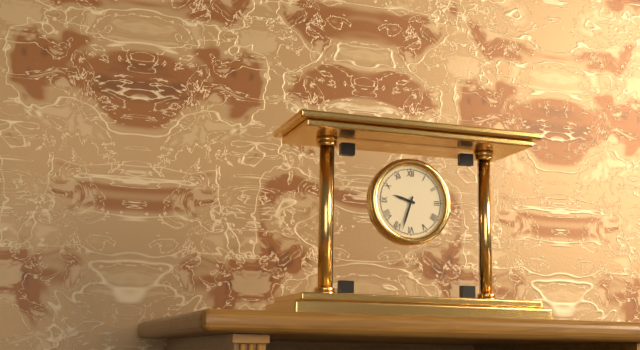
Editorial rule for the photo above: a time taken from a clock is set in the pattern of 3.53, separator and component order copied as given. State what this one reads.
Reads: 9.33
